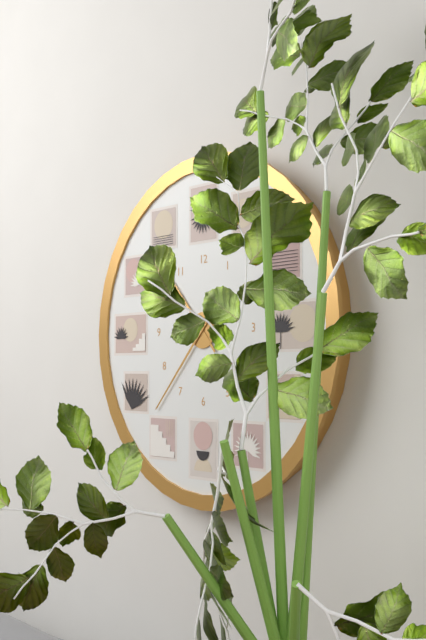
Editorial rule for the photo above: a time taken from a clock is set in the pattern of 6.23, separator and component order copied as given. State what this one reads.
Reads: 10.37
